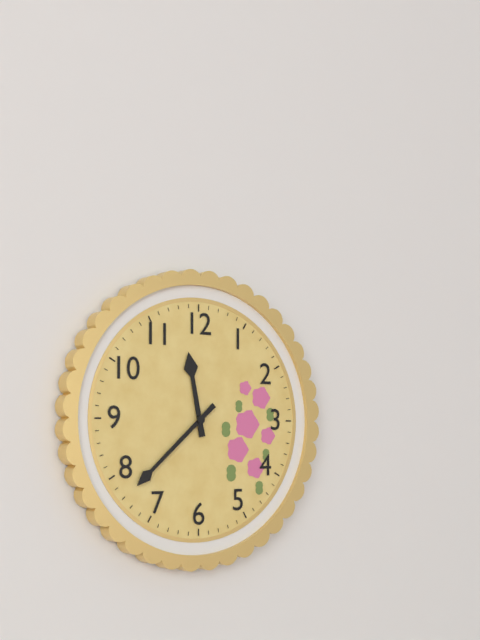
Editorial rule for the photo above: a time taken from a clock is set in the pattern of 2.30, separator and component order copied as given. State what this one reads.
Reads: 11.38
